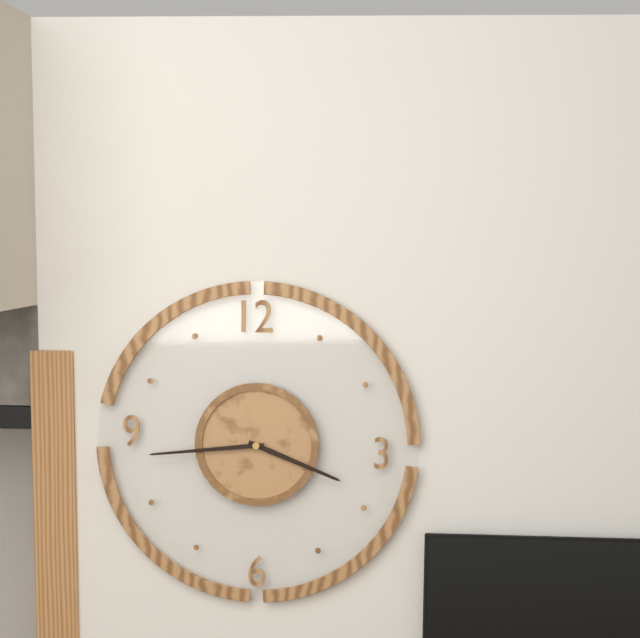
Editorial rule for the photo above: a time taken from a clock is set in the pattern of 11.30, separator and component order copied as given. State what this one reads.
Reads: 3.44
